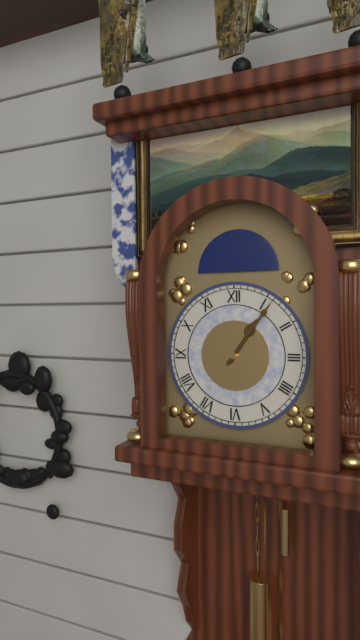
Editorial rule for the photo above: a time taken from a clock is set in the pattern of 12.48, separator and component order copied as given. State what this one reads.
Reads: 1.06
